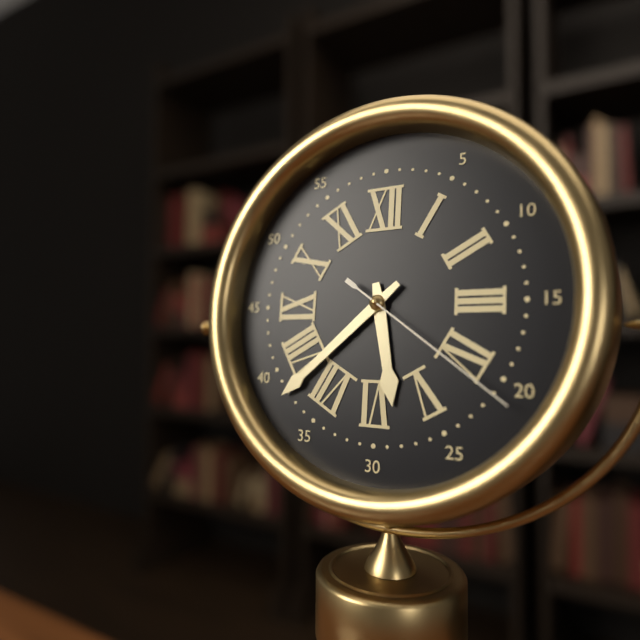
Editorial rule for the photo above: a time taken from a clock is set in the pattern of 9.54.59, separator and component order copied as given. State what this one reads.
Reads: 5.38.21
